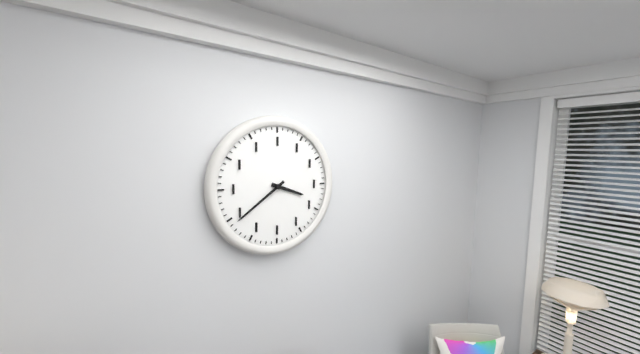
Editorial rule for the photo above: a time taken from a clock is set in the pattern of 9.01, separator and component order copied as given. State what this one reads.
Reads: 3.39
